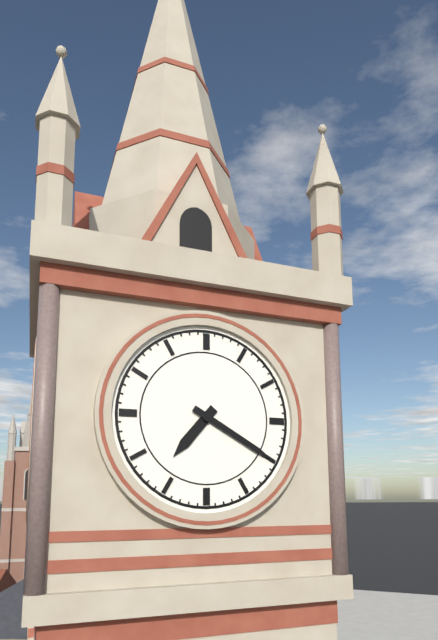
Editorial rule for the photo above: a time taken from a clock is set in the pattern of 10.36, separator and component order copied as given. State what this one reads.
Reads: 7.20
